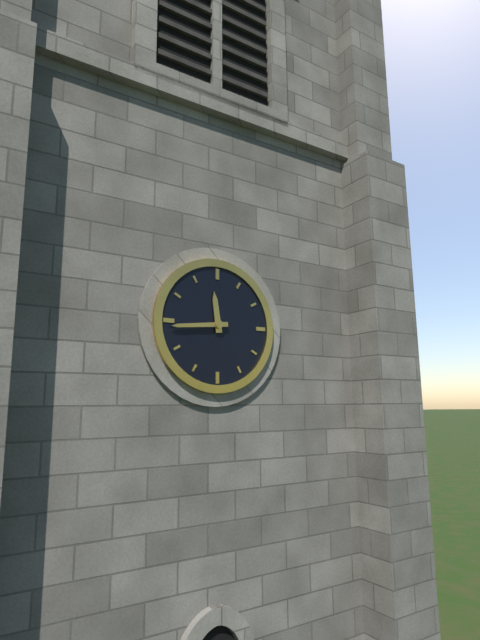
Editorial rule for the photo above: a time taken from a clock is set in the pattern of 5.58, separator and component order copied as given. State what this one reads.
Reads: 11.44
